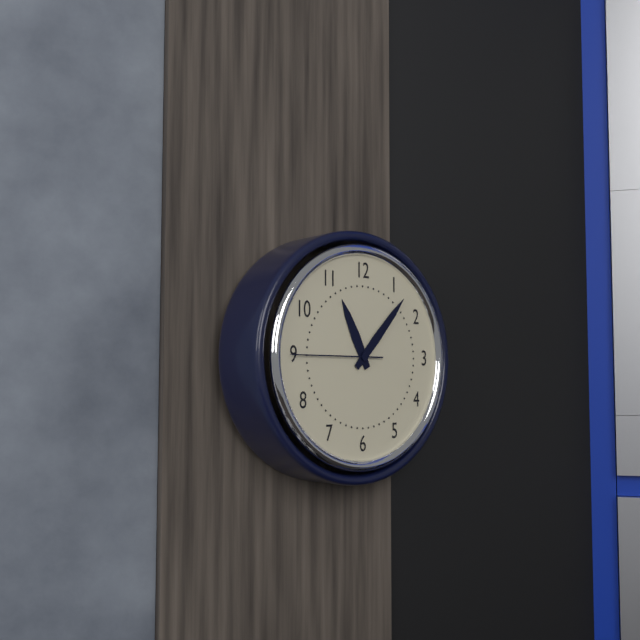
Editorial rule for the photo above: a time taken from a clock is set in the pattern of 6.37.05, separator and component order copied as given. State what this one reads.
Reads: 11.07.45
